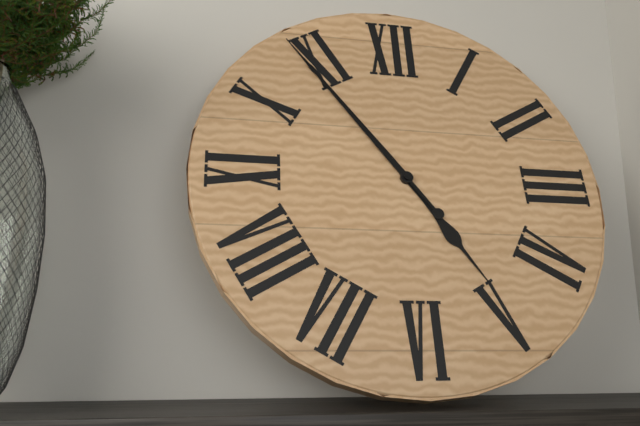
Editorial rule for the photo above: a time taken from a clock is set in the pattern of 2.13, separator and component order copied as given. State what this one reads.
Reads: 4.54
